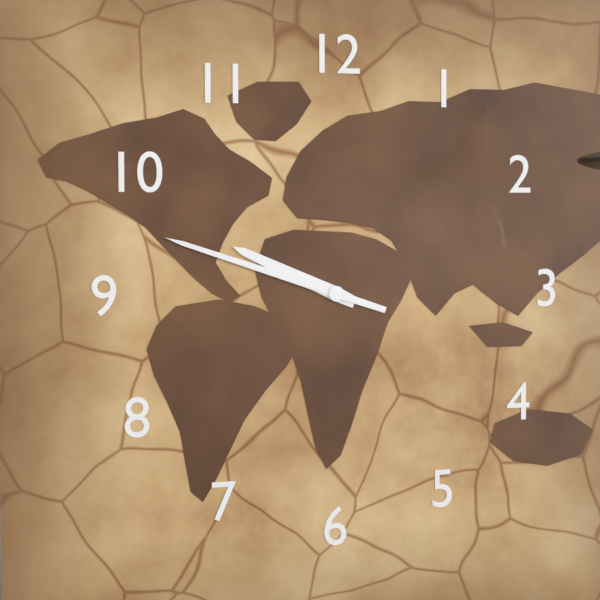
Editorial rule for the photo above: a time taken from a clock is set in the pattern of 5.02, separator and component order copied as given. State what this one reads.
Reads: 9.48
